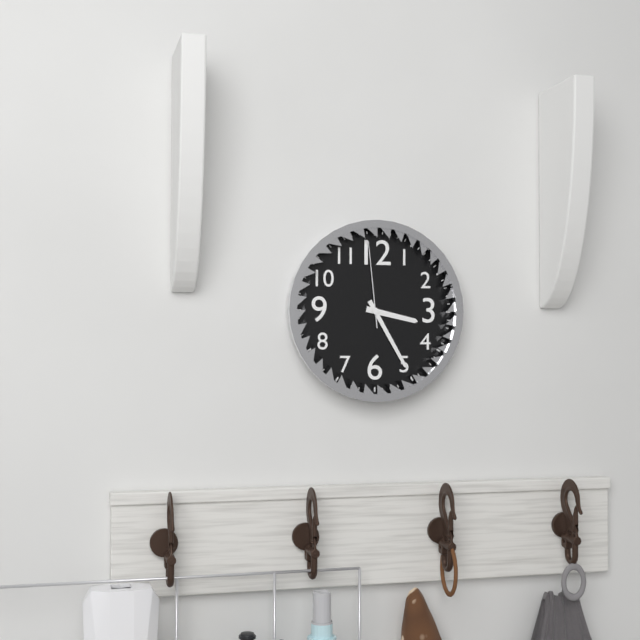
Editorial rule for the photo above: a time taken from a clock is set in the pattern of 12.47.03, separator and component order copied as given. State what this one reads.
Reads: 3.25.59
